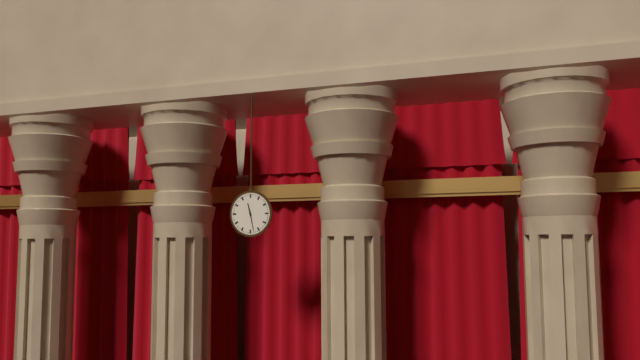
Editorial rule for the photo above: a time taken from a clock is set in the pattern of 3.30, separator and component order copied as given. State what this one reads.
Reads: 11.28
